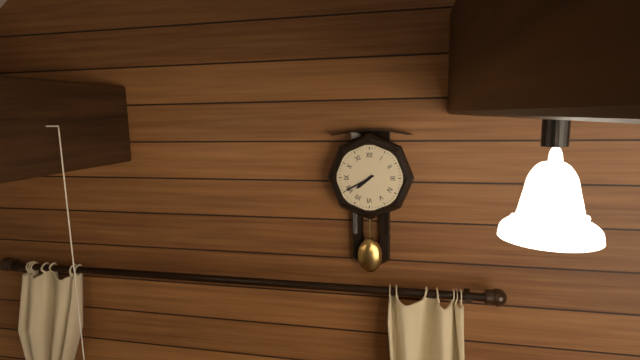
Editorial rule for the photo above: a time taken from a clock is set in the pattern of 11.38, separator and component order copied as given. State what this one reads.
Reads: 7.40
